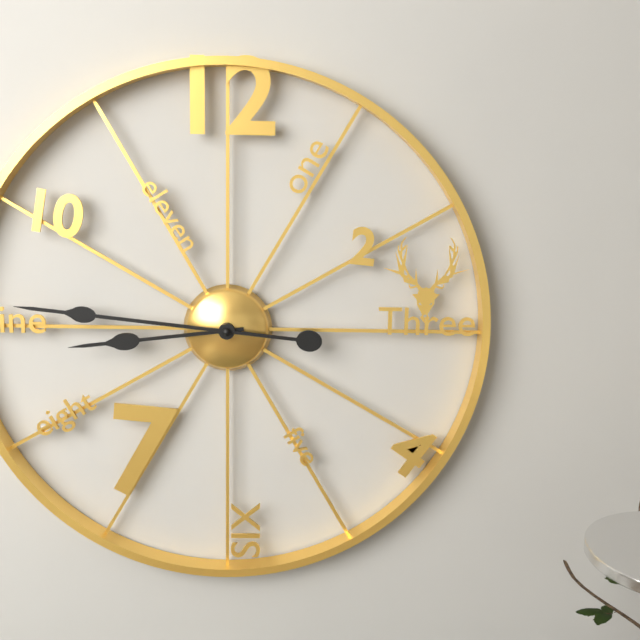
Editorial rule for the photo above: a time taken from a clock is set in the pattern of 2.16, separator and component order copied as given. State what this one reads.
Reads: 8.46
